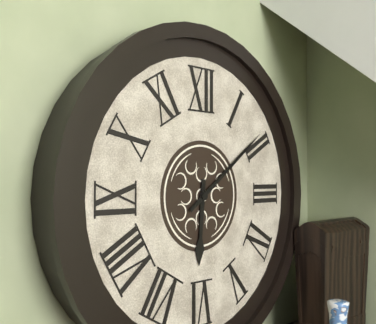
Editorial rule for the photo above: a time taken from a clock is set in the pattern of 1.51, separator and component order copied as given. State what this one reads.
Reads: 6.09
